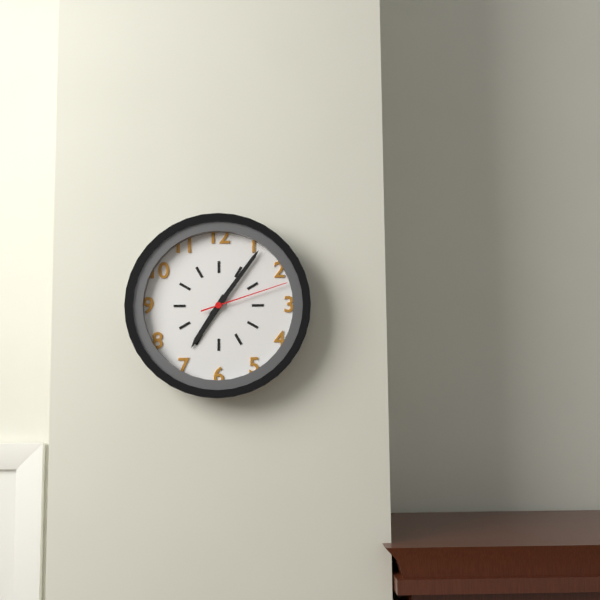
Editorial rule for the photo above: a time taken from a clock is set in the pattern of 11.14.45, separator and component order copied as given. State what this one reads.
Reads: 7.06.12
